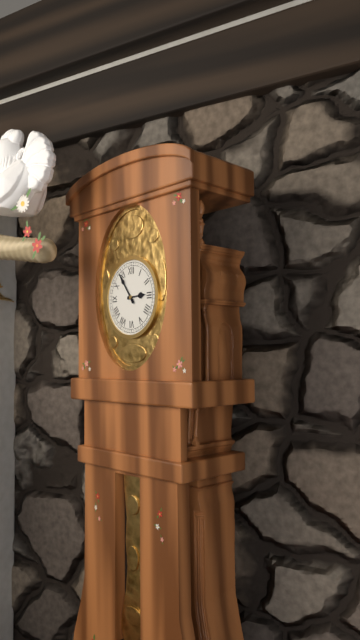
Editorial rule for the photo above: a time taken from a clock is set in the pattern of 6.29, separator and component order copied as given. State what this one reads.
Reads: 2.54
